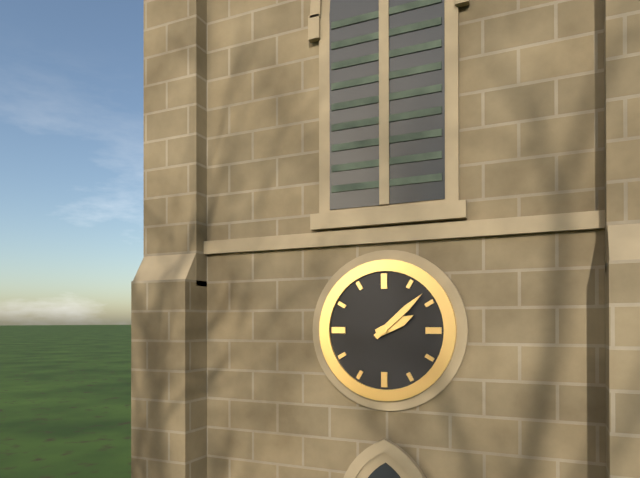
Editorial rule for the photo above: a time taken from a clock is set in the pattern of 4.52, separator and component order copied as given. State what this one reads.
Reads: 2.08
